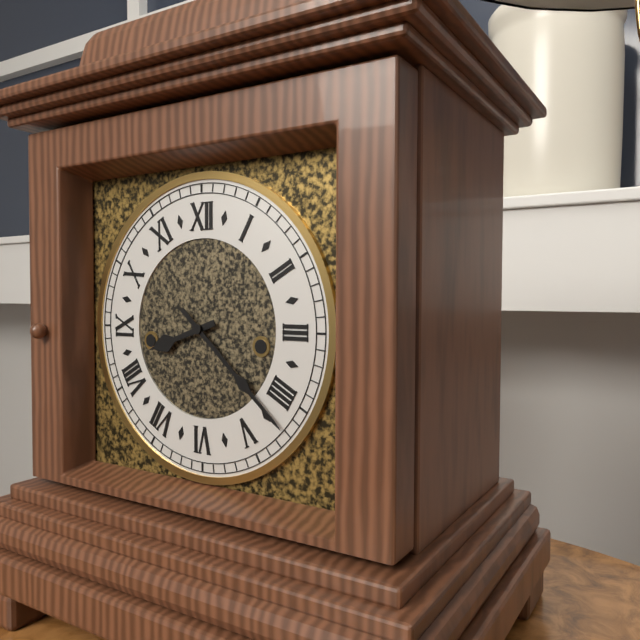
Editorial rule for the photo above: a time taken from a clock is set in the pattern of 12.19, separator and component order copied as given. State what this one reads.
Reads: 8.22
